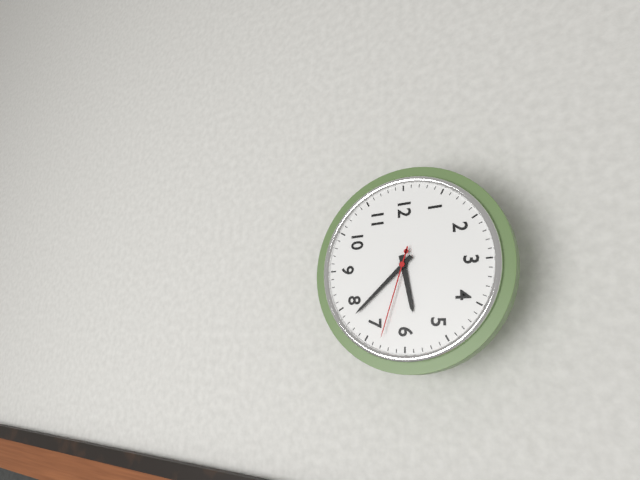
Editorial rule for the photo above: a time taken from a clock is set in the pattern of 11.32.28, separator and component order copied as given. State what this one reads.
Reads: 5.38.33
